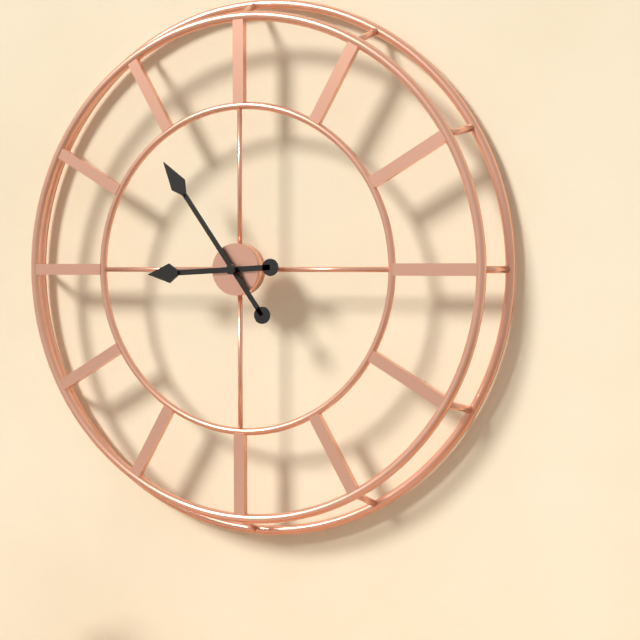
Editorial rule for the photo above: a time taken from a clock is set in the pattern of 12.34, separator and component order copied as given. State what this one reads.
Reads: 8.54
